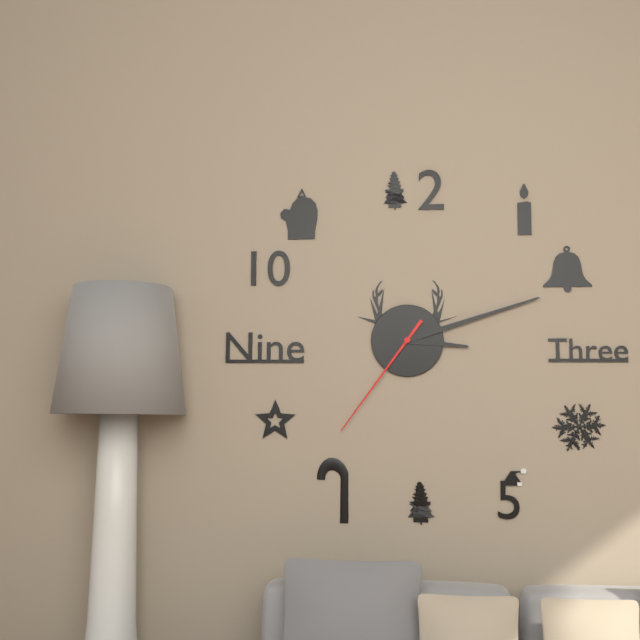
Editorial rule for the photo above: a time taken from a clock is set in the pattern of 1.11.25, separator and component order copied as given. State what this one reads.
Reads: 3.12.36
